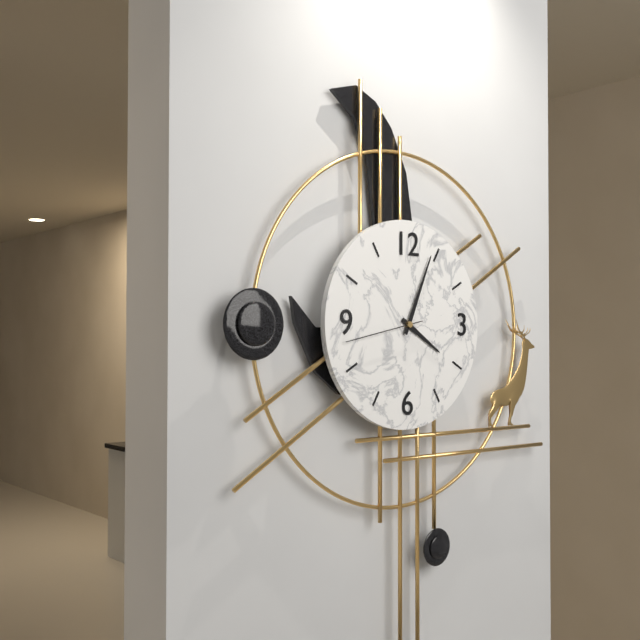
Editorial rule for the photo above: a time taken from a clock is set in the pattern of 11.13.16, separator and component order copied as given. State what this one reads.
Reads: 4.04.43
